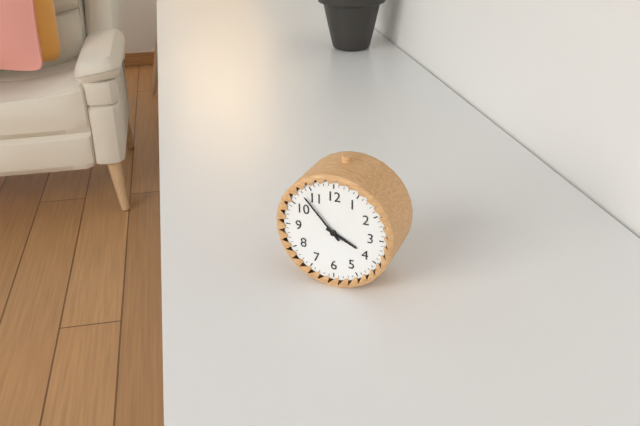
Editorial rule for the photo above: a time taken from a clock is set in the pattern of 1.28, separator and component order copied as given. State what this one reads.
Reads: 3.53
